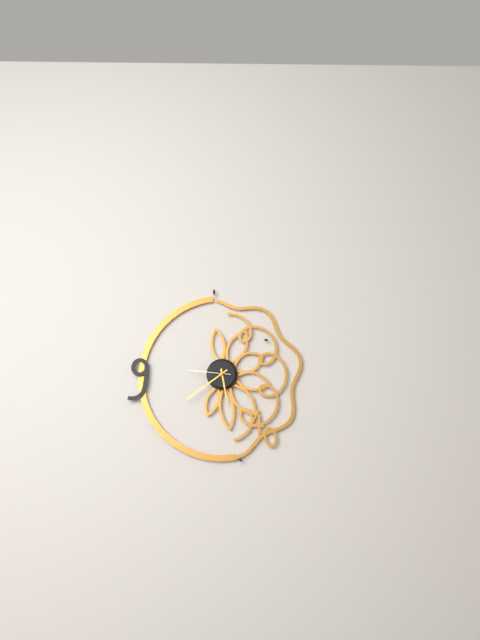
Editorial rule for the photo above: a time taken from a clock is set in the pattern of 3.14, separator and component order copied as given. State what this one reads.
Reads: 5.39
